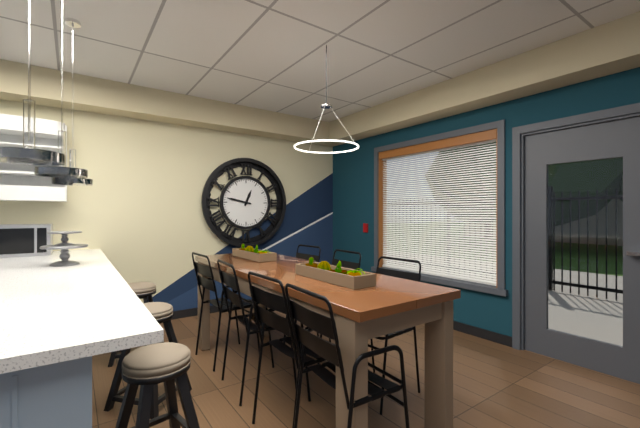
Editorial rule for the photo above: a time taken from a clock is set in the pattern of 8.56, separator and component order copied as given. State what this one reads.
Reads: 12.47
